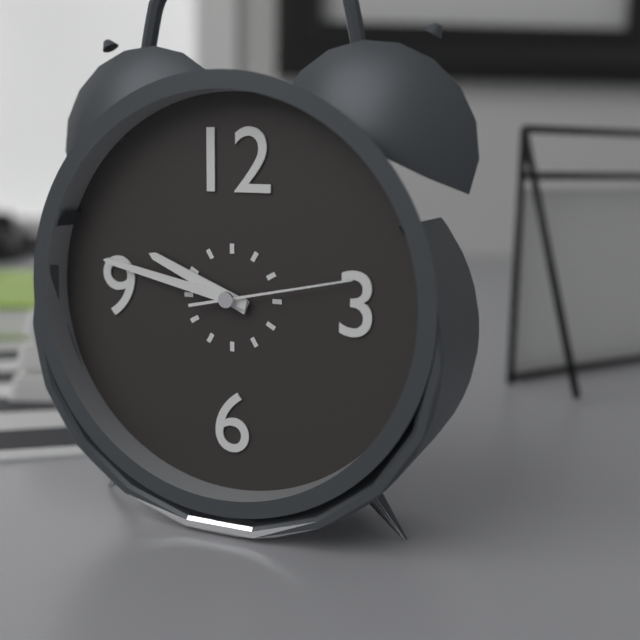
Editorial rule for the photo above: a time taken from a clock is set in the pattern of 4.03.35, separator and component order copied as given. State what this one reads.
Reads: 9.47.13
